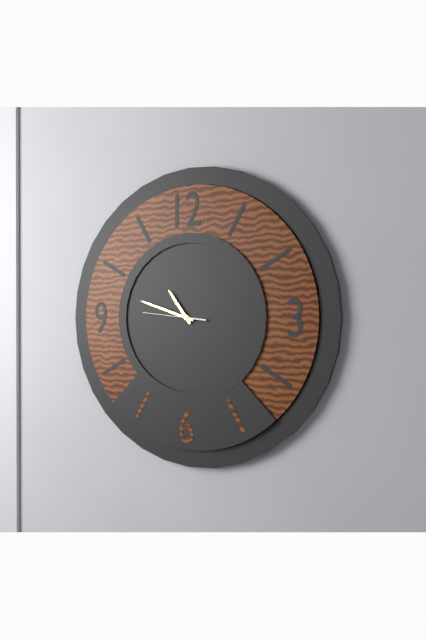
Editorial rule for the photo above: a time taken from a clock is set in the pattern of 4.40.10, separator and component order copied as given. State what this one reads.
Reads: 10.48.46
